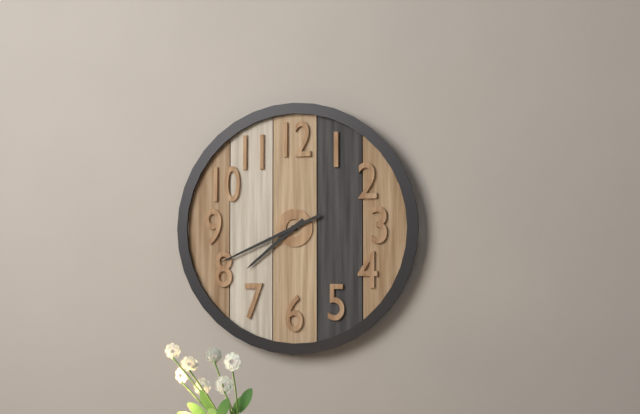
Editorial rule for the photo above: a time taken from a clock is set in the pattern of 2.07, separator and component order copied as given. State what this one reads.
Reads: 7.41
